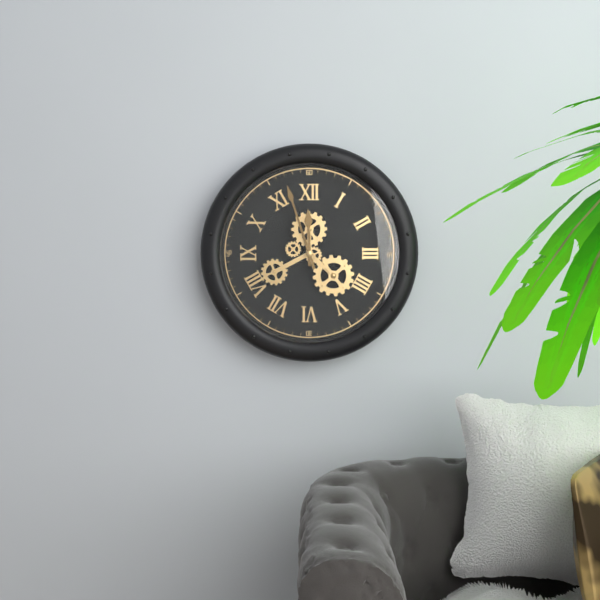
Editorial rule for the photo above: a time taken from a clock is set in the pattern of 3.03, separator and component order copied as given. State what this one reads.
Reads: 11.57
